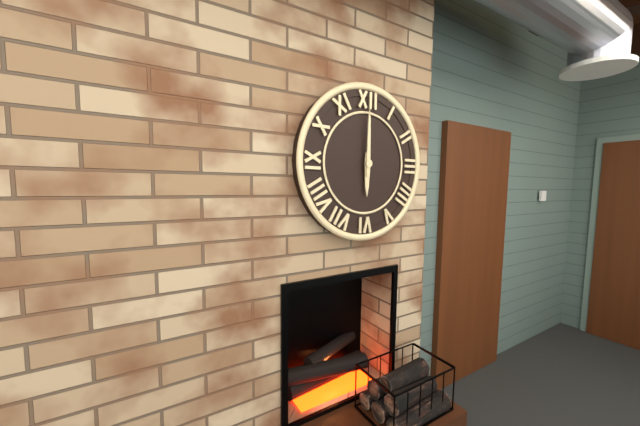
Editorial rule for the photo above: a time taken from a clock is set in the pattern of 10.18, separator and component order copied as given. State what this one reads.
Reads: 6.00
